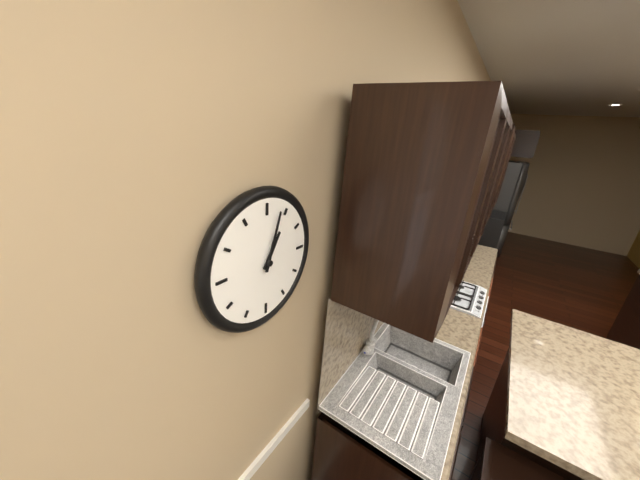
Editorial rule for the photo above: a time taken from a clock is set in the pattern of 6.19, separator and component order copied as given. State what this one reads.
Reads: 1.03
